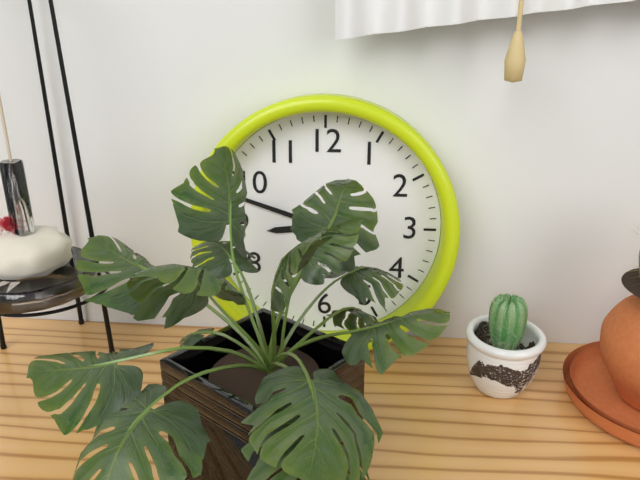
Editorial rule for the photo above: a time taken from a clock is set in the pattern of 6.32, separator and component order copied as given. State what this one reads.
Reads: 8.48
